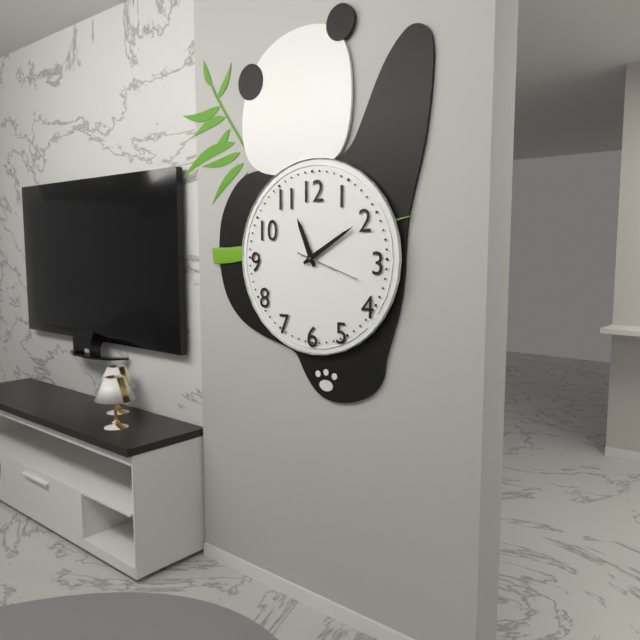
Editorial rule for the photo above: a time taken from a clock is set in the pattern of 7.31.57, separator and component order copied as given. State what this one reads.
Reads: 11.10.18
